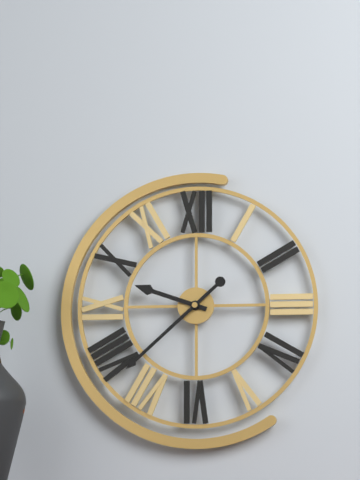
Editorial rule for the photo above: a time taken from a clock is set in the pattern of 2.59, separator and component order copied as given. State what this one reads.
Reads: 9.38
